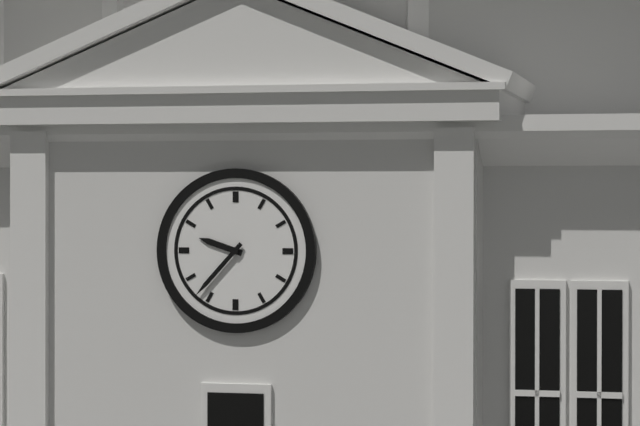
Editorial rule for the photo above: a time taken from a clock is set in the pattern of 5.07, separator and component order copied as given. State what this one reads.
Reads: 9.37
